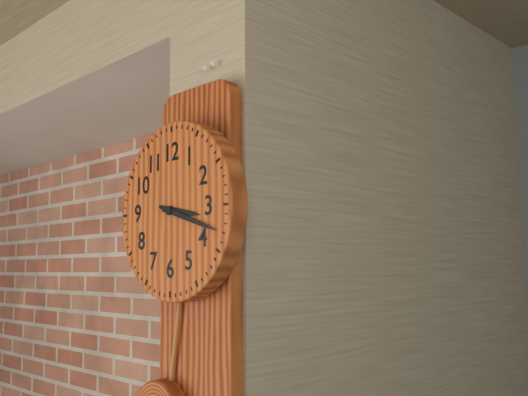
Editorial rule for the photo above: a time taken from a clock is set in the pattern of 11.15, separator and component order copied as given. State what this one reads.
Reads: 3.18
